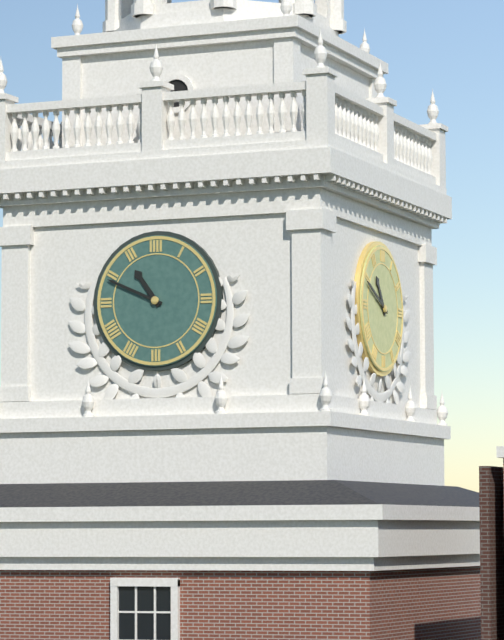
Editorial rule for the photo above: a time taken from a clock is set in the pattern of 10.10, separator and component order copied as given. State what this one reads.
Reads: 10.49
